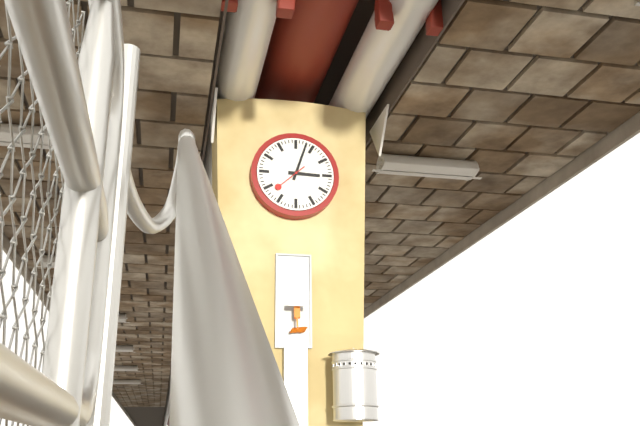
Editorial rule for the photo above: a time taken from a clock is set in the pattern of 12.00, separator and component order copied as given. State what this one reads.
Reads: 3.03
